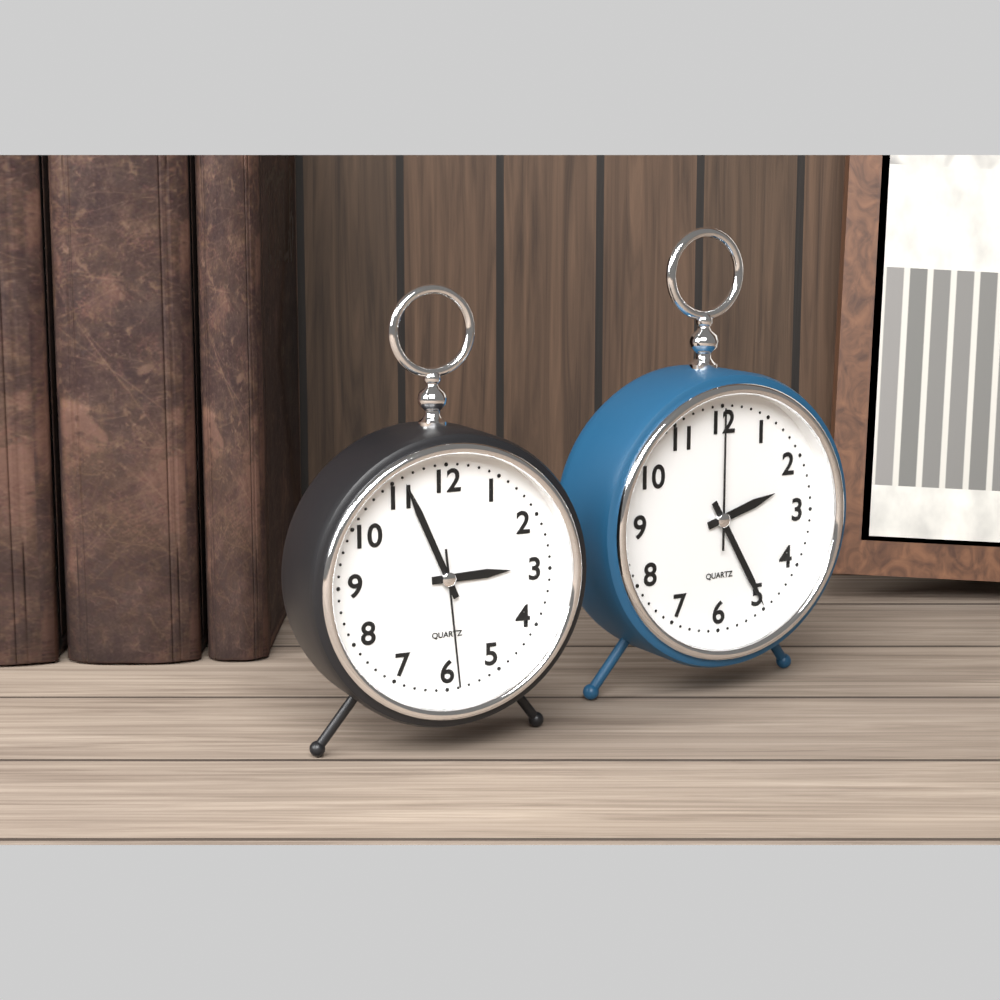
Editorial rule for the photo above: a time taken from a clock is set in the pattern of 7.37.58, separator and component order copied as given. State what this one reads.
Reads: 2.56.29
